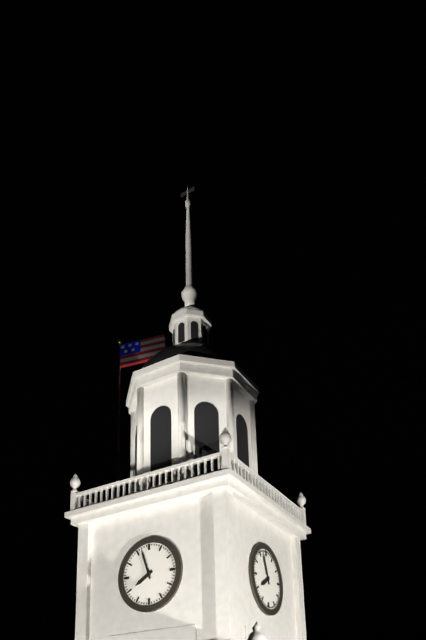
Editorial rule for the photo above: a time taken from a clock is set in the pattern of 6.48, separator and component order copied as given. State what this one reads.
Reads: 7.57
